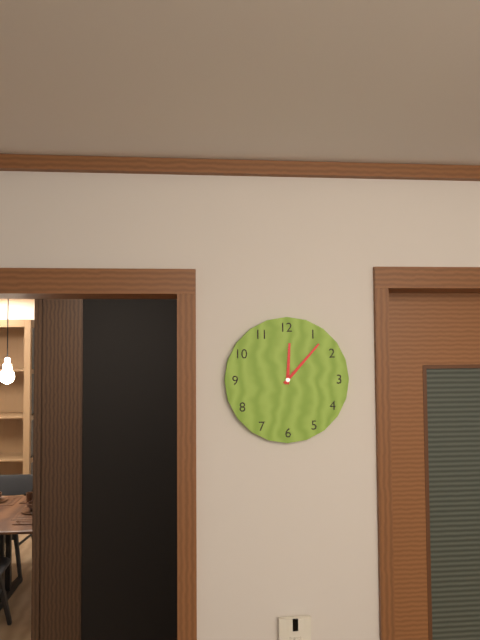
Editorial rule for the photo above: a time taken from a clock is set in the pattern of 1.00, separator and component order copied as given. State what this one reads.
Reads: 12.07
